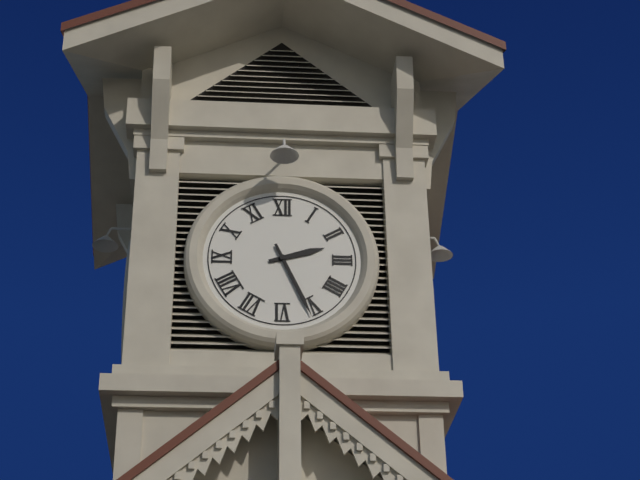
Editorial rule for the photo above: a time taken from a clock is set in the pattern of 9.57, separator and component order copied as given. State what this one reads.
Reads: 2.26
